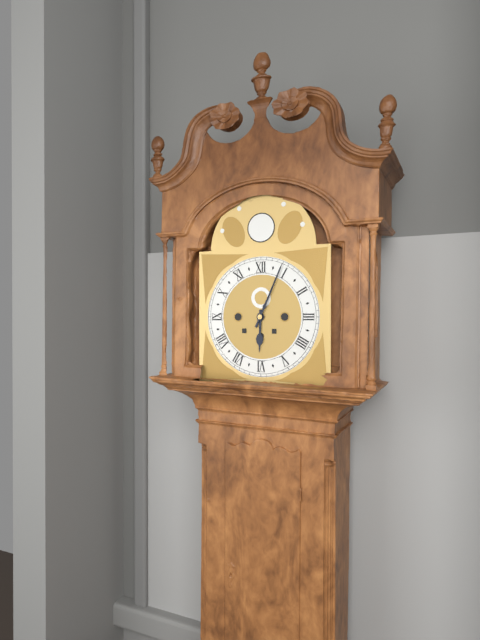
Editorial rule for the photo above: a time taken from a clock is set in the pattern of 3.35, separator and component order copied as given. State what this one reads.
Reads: 6.04
